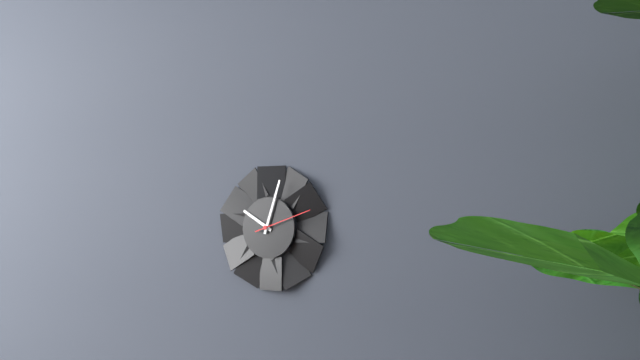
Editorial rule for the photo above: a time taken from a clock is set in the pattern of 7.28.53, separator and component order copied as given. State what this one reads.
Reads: 10.03.12
